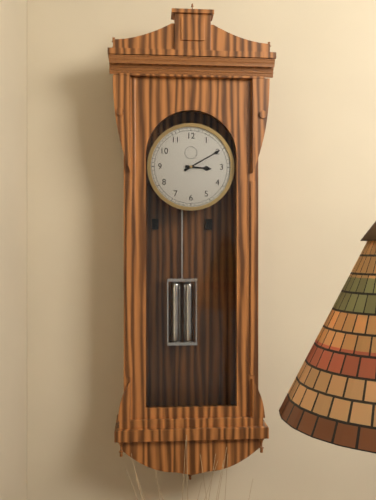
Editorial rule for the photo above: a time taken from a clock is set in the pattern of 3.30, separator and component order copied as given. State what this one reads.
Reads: 3.10
